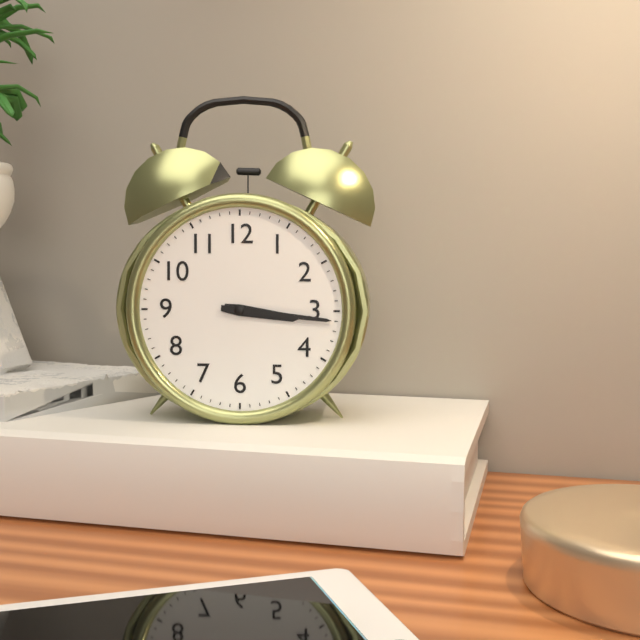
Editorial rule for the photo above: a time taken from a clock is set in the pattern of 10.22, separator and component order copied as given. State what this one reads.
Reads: 3.16
